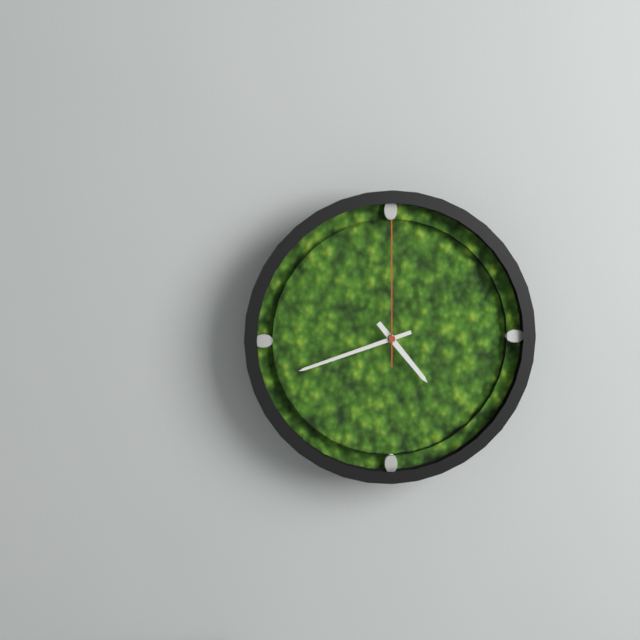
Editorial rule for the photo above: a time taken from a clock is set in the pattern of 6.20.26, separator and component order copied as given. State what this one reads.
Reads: 4.42.00
